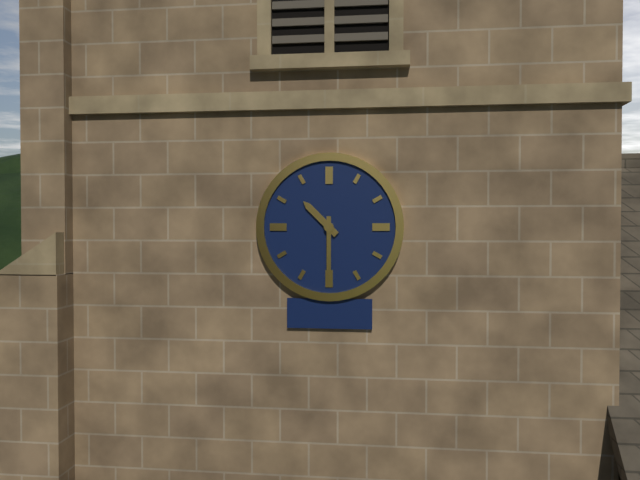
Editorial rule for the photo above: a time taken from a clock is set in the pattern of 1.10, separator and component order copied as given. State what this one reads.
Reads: 10.30
